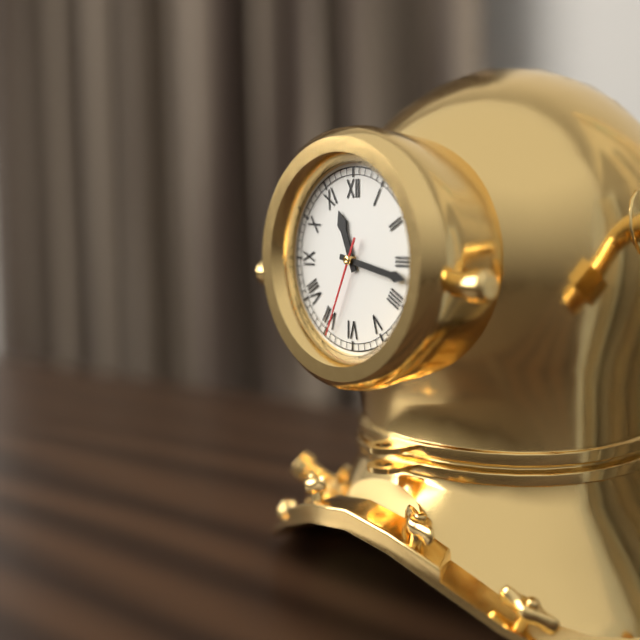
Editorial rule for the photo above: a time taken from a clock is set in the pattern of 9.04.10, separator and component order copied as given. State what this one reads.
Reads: 11.17.34
